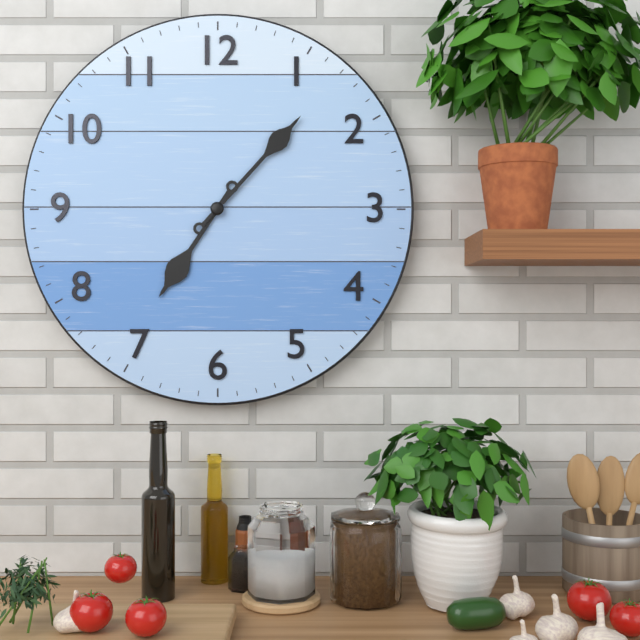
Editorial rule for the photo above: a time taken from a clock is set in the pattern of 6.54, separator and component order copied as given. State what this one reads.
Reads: 7.07
